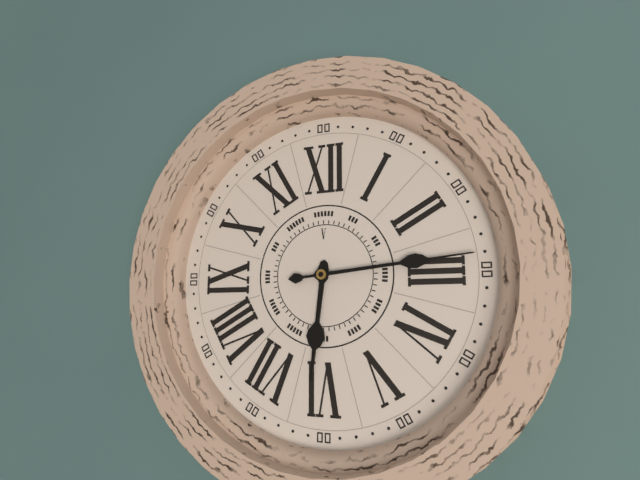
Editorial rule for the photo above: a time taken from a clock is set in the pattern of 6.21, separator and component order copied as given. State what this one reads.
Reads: 6.14
